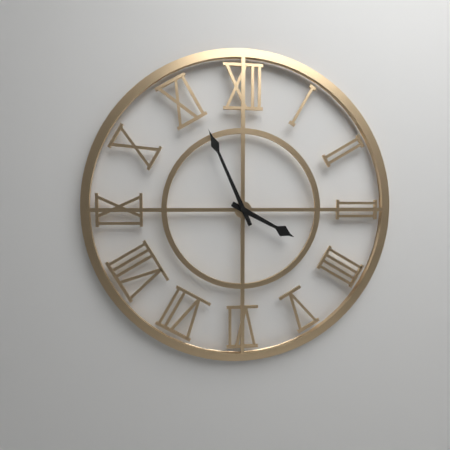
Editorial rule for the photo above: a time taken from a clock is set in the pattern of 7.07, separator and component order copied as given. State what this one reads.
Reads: 3.56
